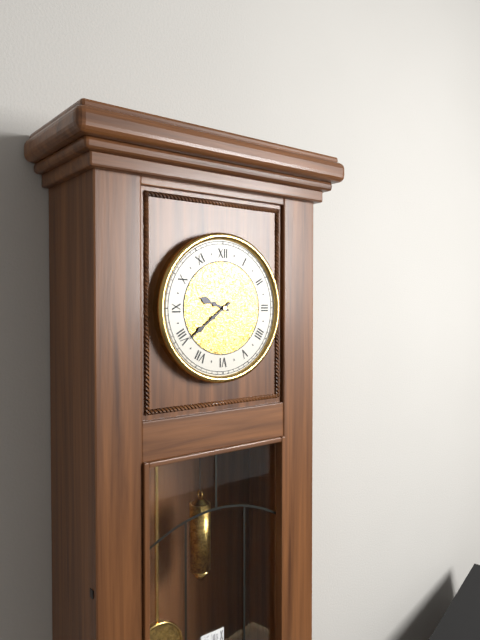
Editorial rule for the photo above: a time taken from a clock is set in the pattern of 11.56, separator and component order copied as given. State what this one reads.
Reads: 9.39
